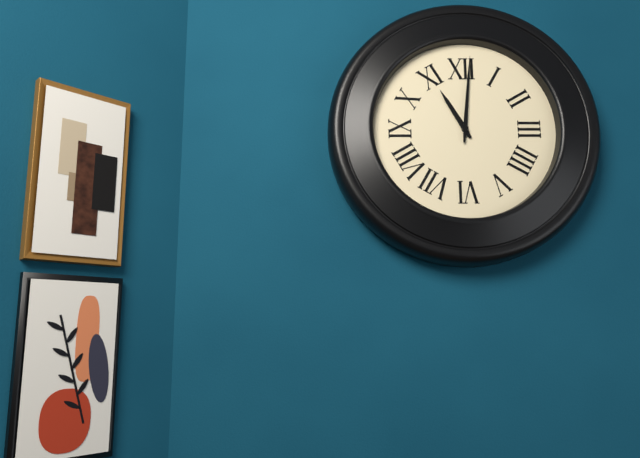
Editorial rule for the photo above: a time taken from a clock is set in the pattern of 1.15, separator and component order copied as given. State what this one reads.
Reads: 11.01
